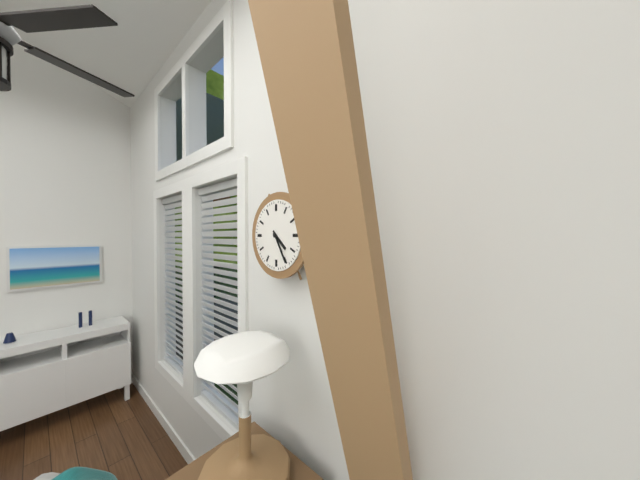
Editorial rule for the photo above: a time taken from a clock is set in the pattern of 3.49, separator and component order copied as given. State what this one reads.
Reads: 4.25
